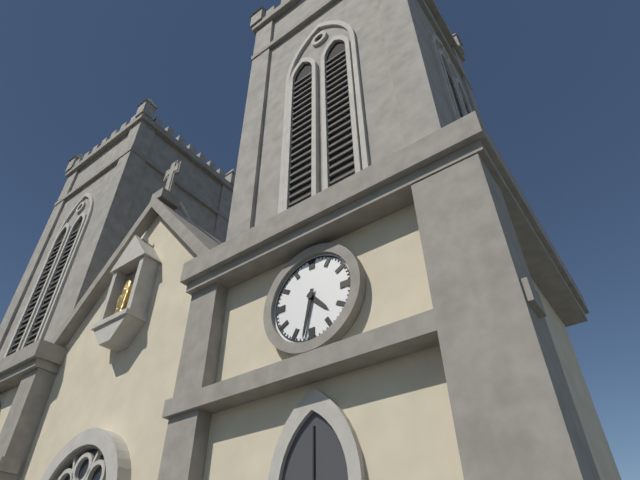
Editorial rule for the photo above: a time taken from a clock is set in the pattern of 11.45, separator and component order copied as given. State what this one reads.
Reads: 4.32
